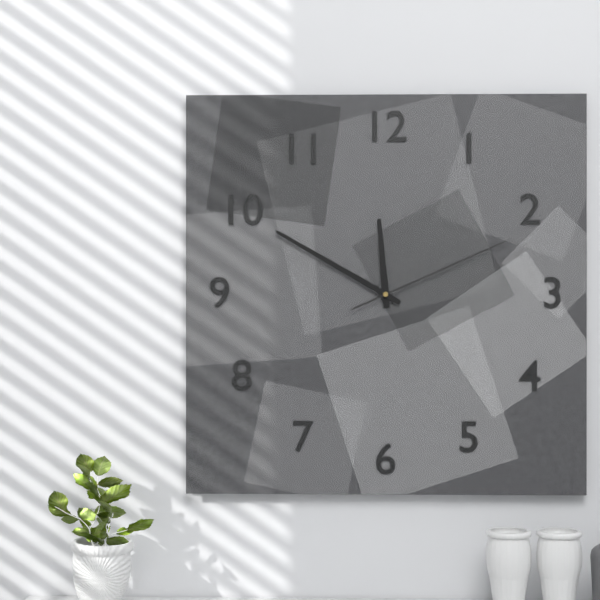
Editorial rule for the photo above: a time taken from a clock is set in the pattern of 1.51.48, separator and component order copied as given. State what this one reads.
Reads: 11.50.11
